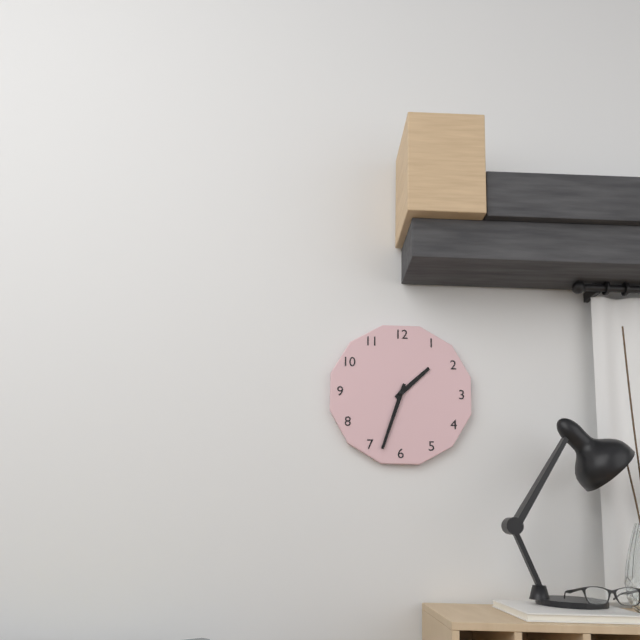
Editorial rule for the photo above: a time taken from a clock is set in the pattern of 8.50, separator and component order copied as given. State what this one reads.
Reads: 1.33
